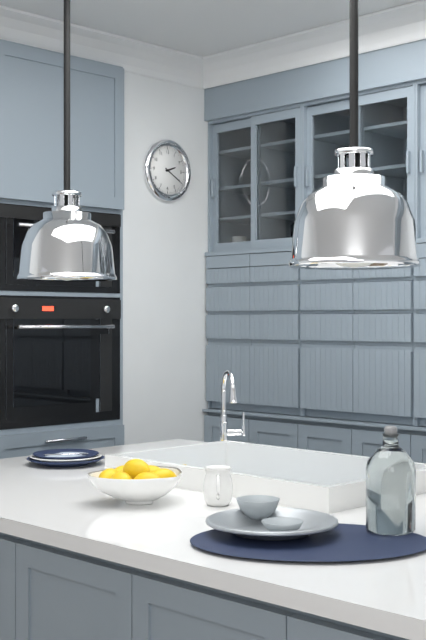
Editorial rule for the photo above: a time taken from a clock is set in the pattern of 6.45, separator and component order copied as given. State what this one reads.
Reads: 2.20
